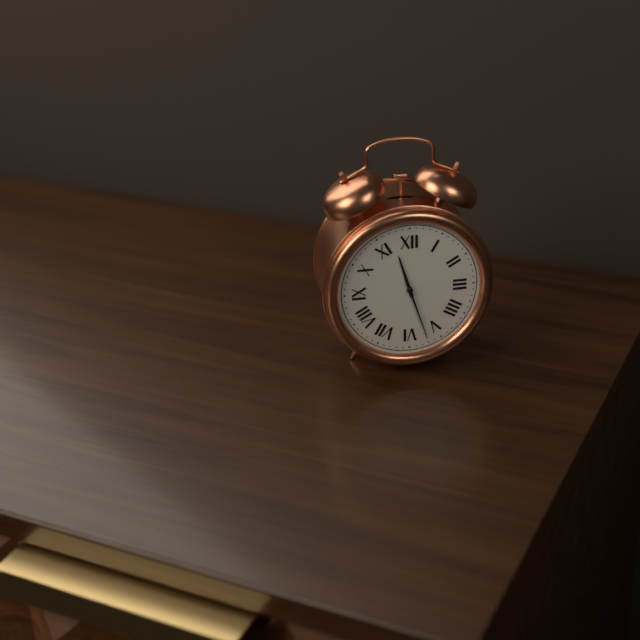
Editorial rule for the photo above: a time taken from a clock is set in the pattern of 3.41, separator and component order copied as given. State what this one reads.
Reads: 11.27
